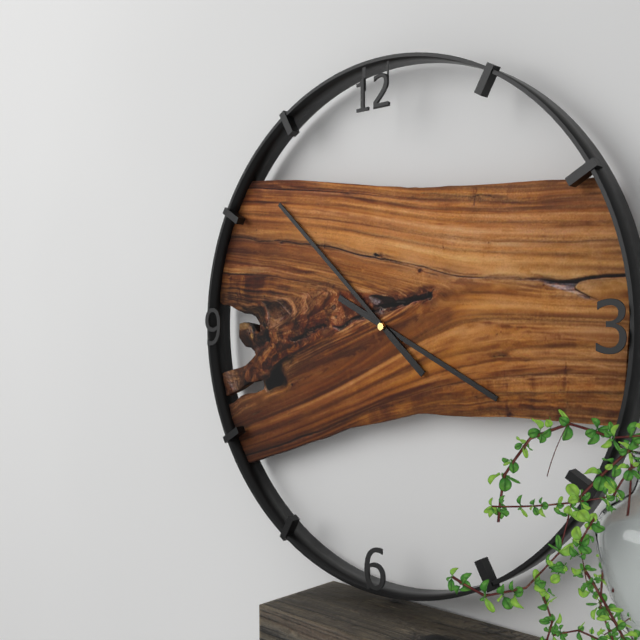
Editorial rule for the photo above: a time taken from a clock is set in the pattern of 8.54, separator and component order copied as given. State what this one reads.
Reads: 3.52
